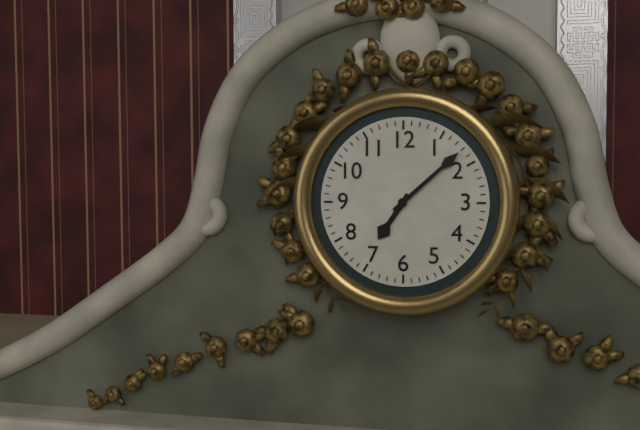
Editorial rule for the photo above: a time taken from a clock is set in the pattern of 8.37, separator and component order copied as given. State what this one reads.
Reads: 7.08
